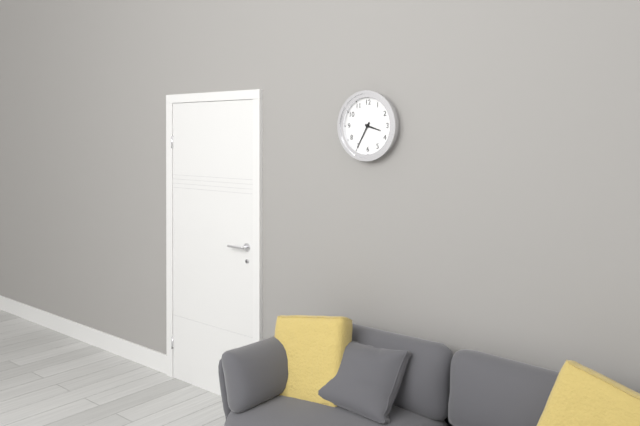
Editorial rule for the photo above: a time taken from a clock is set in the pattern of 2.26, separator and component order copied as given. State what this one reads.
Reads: 3.35
